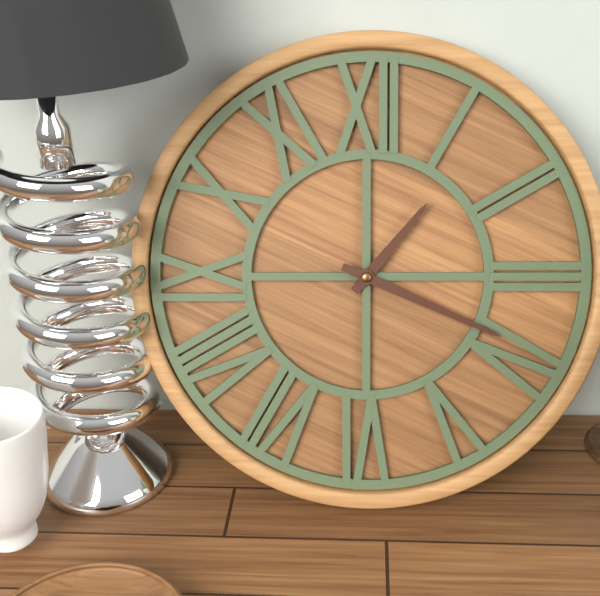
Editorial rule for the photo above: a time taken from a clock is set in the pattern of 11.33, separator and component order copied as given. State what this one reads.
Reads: 1.19
